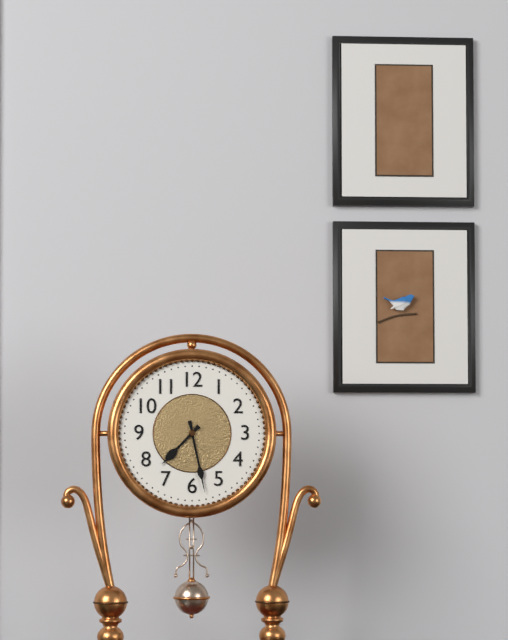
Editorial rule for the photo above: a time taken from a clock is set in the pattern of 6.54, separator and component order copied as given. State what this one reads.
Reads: 7.28
